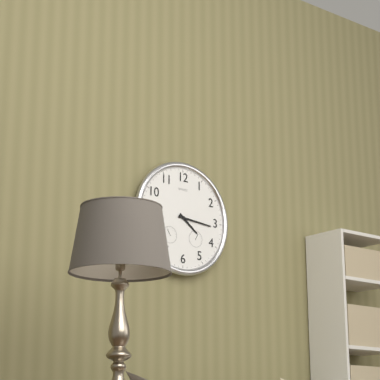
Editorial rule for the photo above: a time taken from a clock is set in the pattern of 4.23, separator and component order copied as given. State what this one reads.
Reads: 4.16
